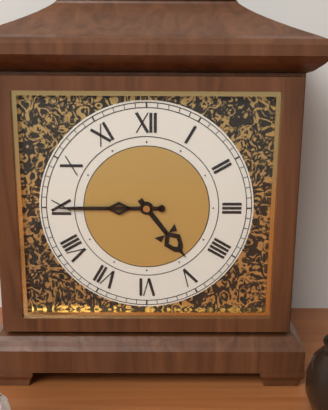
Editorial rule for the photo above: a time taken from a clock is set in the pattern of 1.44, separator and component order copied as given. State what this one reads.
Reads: 4.45
